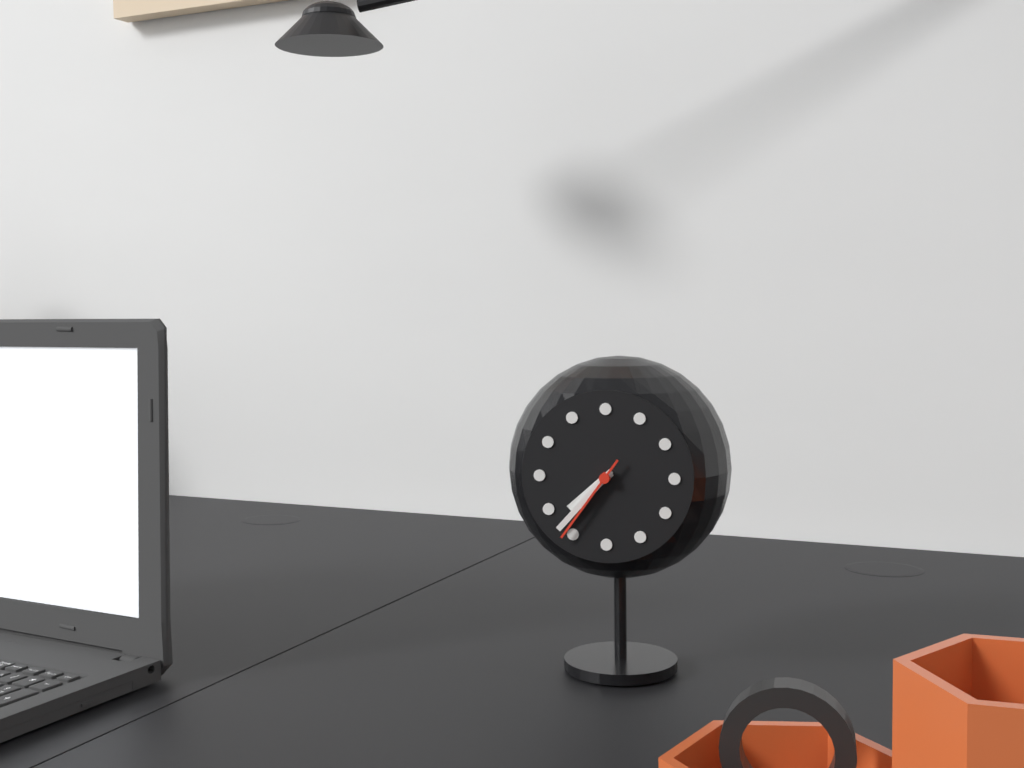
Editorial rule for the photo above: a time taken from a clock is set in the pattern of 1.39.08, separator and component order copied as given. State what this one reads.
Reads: 7.37.36
